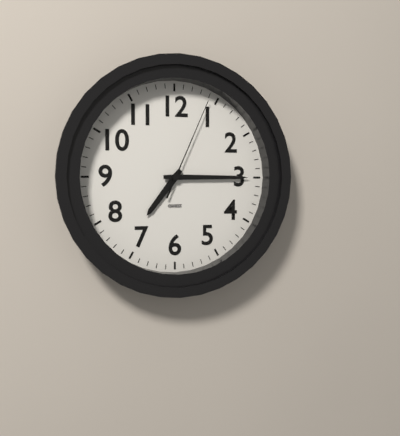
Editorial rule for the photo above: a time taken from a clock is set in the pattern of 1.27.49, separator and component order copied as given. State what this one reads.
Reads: 7.15.04
